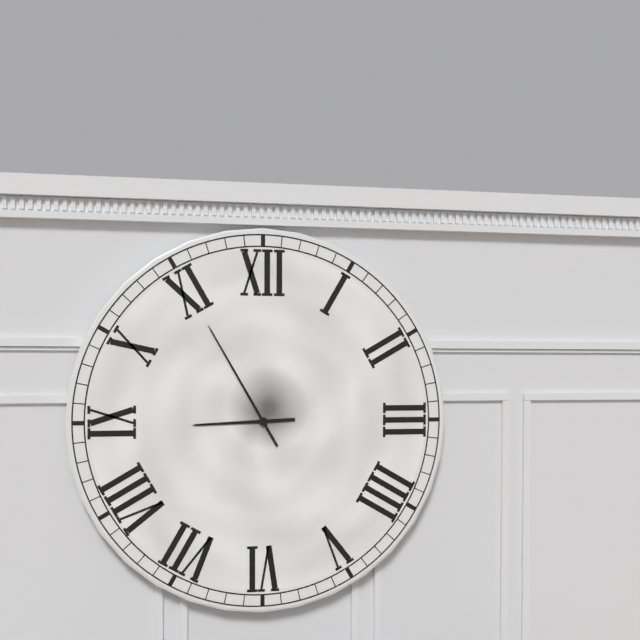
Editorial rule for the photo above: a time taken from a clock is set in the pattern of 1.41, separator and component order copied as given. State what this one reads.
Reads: 8.55
